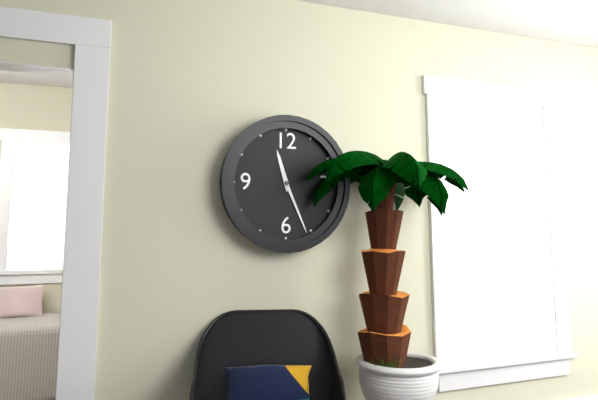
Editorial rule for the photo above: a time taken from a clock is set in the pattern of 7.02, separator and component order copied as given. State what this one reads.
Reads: 11.26
